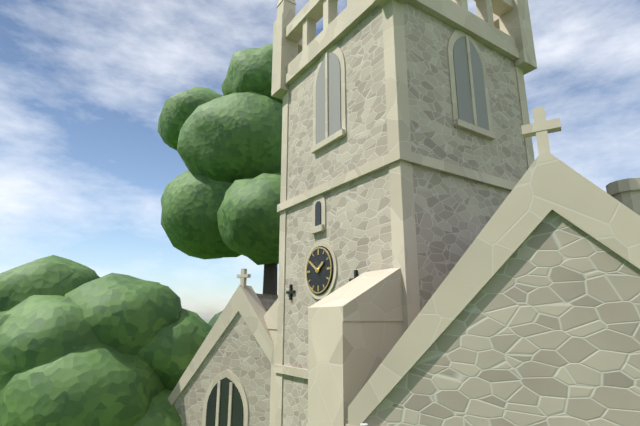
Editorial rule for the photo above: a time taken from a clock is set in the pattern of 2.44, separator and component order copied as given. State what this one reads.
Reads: 1.51
